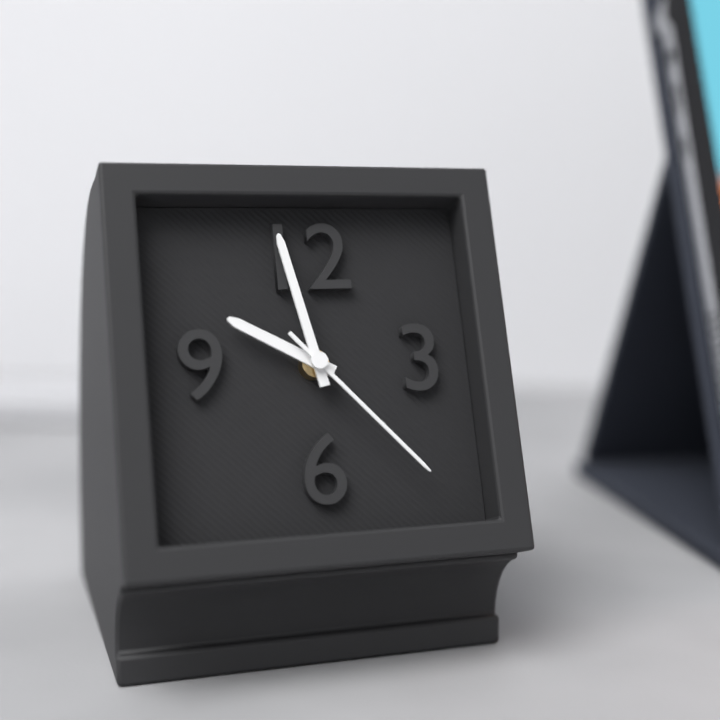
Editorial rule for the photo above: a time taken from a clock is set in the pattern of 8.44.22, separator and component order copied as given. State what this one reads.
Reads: 9.58.23
